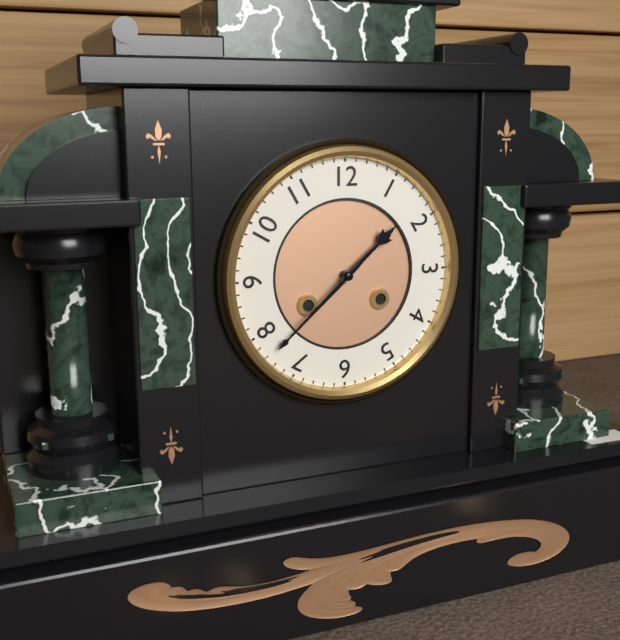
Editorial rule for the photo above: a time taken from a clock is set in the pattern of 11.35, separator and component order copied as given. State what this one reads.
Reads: 1.38
